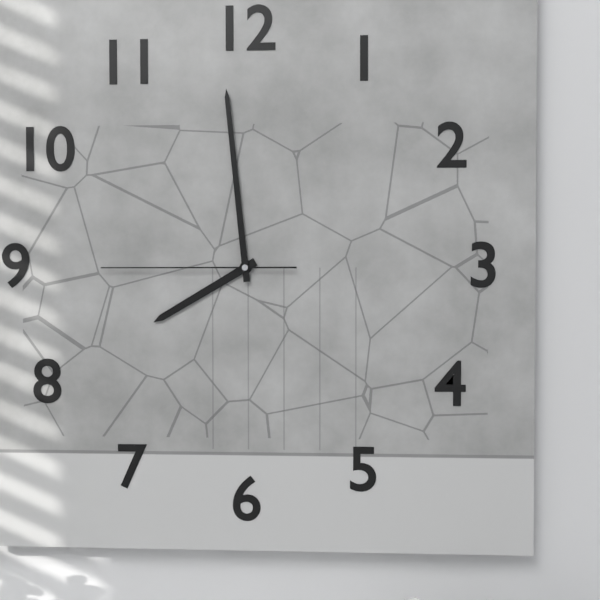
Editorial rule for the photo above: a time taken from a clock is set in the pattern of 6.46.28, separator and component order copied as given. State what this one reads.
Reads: 7.59.45
